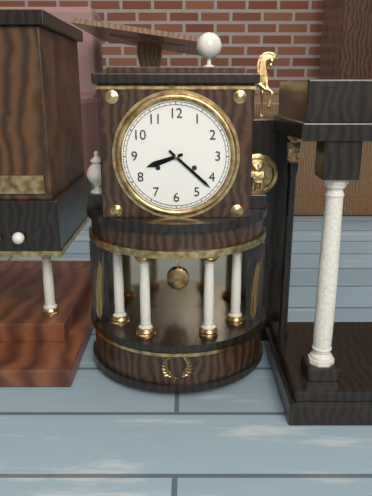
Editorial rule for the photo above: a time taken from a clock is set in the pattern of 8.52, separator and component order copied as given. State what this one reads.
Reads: 8.22
